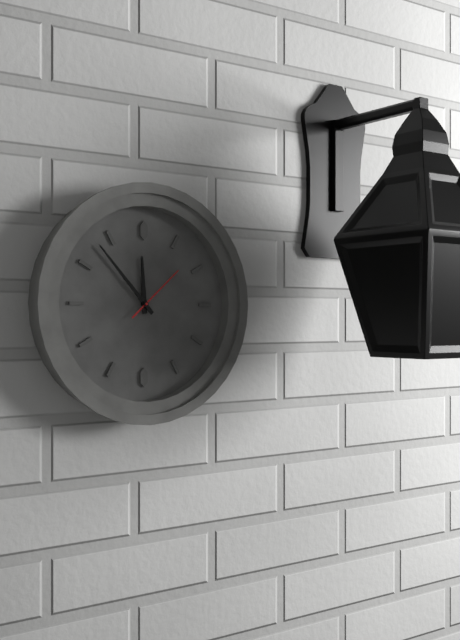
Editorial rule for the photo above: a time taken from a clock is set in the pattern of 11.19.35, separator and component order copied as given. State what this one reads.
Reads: 11.53.08
